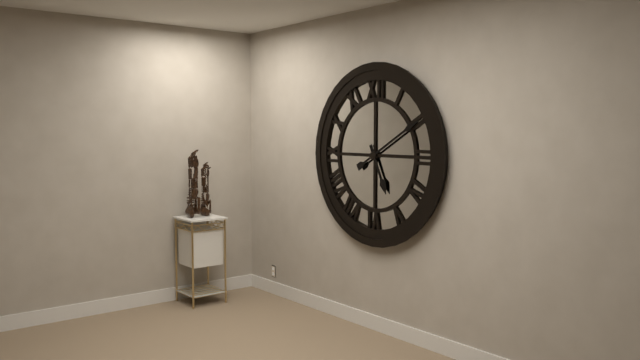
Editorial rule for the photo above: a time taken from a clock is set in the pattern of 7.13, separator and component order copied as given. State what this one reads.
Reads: 5.10
